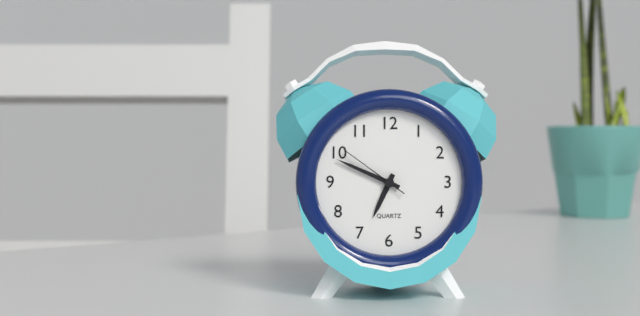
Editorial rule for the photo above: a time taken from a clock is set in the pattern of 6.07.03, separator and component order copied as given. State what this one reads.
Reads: 6.49.51
